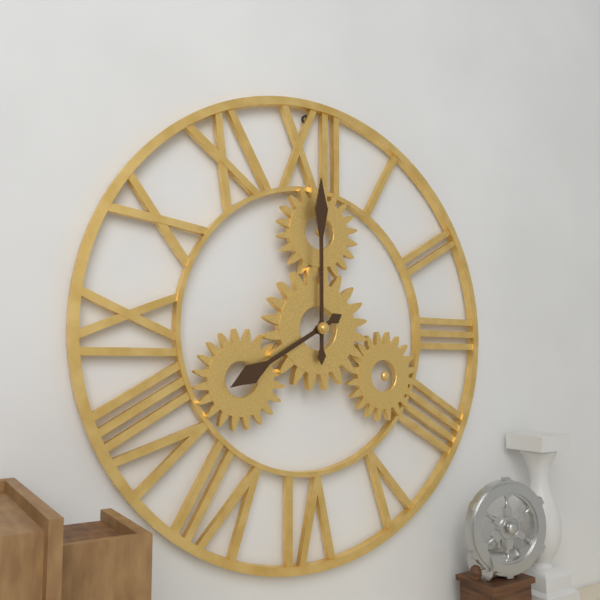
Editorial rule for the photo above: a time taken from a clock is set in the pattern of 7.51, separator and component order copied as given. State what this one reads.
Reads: 8.00
